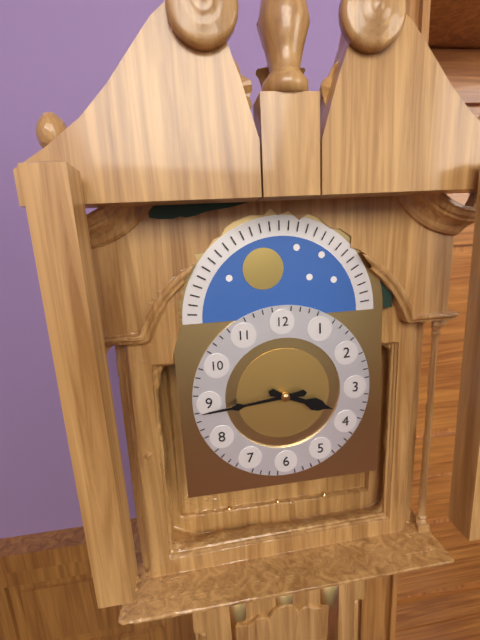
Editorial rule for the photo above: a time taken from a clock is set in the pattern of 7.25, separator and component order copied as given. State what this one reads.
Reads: 3.44
